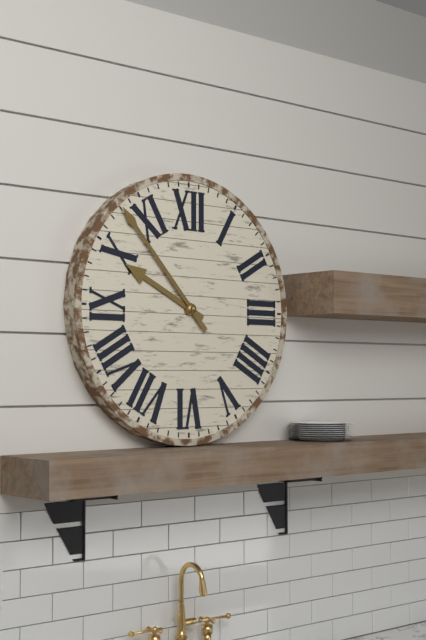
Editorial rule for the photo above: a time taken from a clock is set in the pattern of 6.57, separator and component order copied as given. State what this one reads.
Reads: 9.53
